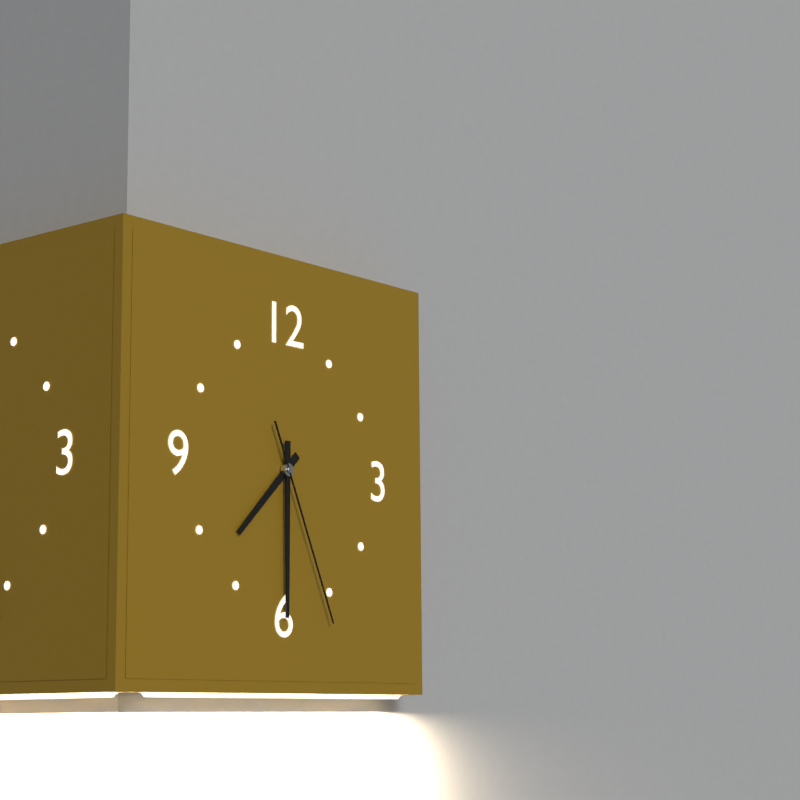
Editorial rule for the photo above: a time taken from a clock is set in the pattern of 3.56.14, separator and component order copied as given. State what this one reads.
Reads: 7.30.26
